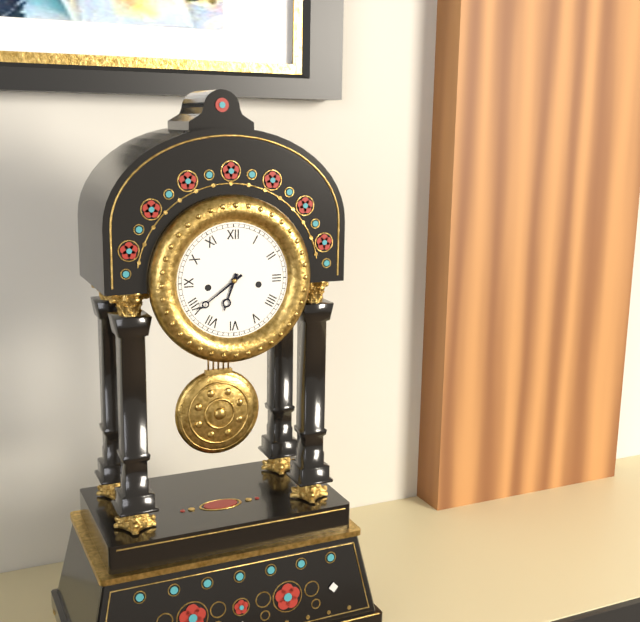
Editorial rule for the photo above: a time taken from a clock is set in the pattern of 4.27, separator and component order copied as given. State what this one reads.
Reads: 6.39
